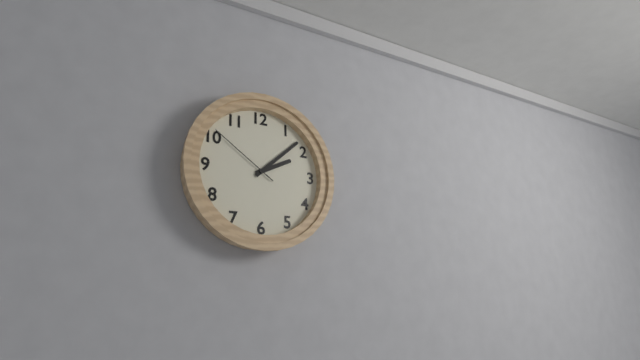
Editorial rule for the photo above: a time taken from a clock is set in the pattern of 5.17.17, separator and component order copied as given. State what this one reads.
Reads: 2.08.51
